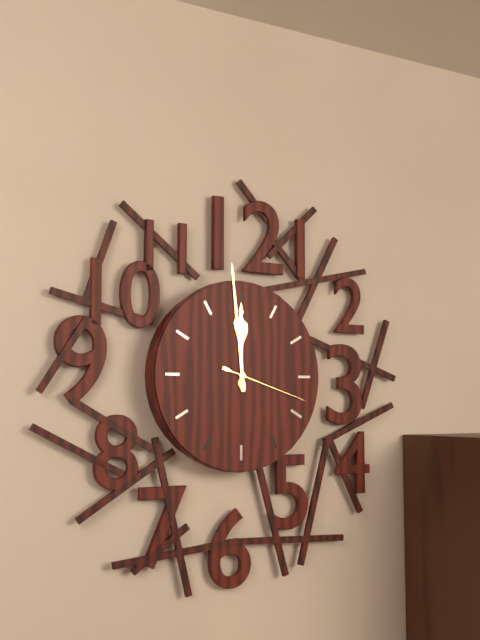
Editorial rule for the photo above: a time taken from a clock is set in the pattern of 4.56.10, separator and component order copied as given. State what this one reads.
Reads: 11.59.18
